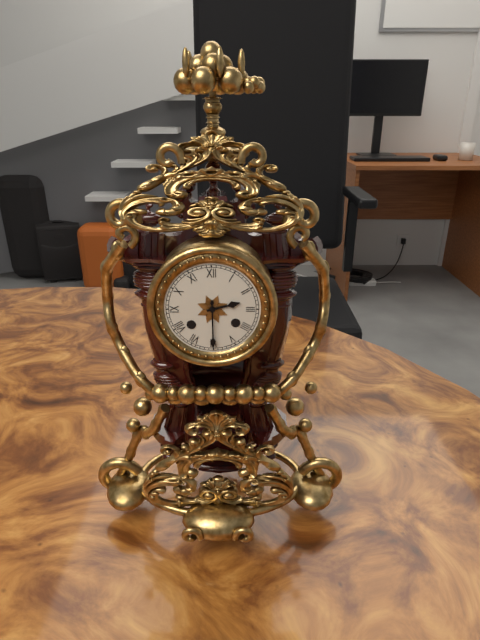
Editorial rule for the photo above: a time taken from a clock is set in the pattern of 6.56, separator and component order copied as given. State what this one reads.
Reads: 2.30
